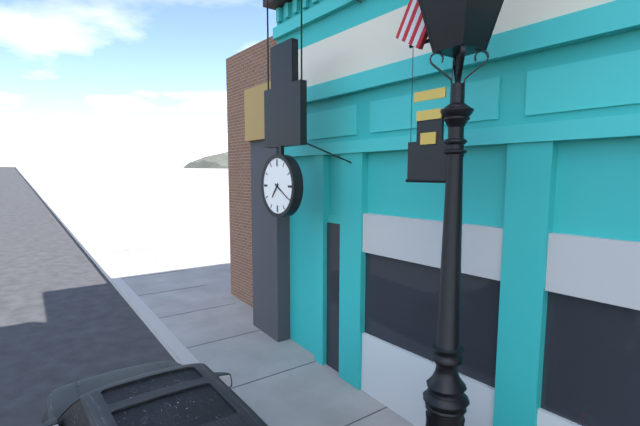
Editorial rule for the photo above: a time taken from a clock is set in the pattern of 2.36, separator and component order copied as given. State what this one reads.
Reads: 7.20
